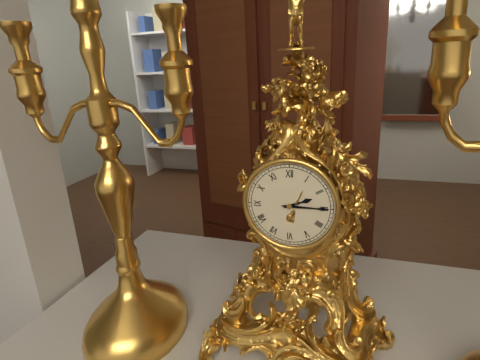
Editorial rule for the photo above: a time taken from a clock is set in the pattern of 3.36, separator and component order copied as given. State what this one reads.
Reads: 2.15
